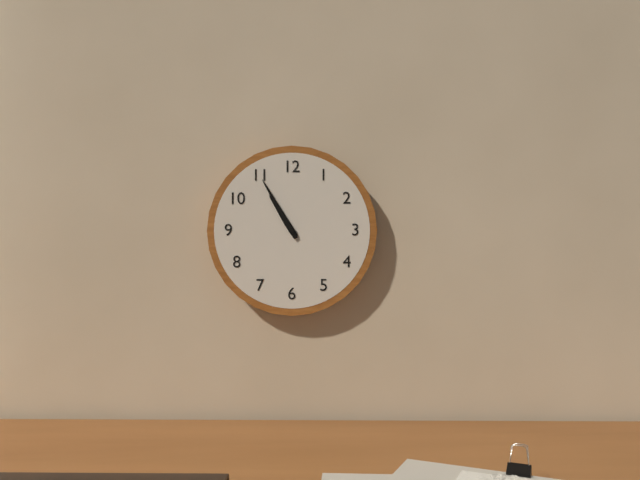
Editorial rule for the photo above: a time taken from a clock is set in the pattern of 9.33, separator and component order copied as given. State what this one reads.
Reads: 10.55
